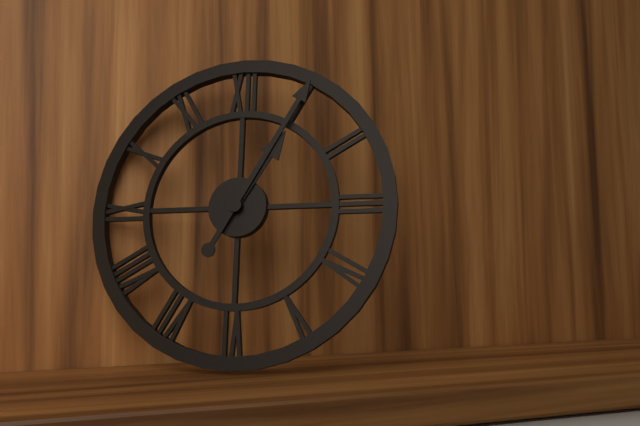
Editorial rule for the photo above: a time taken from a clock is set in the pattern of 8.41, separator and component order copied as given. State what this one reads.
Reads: 1.05
